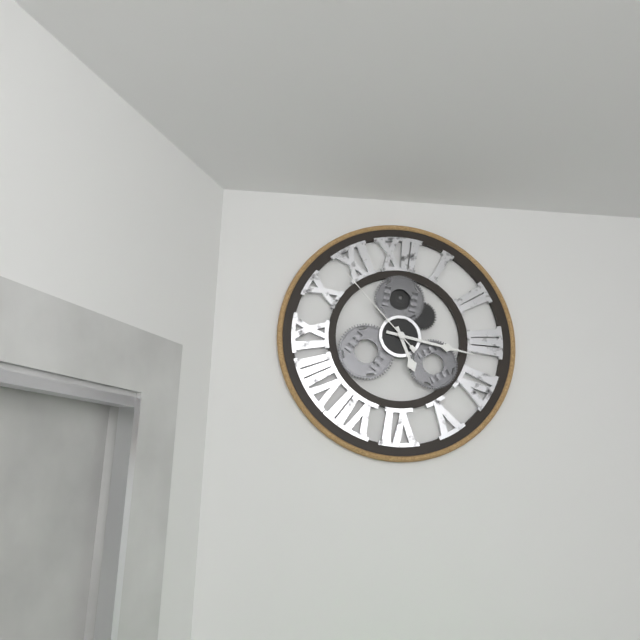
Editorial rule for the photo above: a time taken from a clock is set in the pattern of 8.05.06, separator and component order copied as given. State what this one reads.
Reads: 5.17.53
